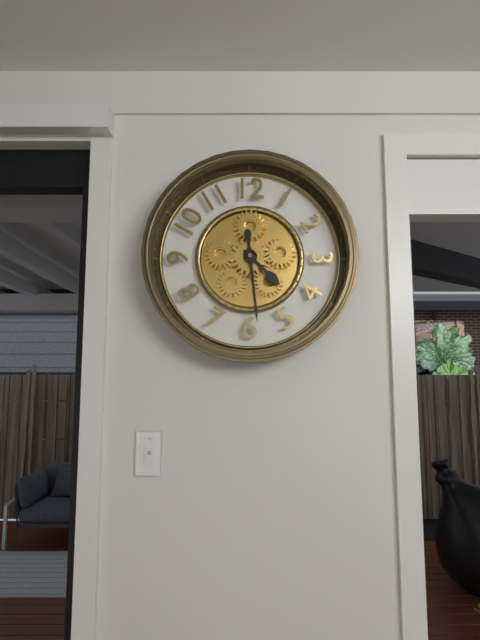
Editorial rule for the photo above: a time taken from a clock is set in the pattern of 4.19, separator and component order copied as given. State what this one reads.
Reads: 4.29
